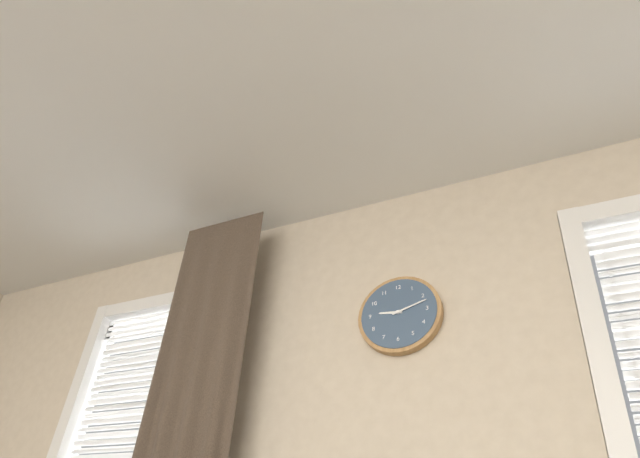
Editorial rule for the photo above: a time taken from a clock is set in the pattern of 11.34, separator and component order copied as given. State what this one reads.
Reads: 9.12
